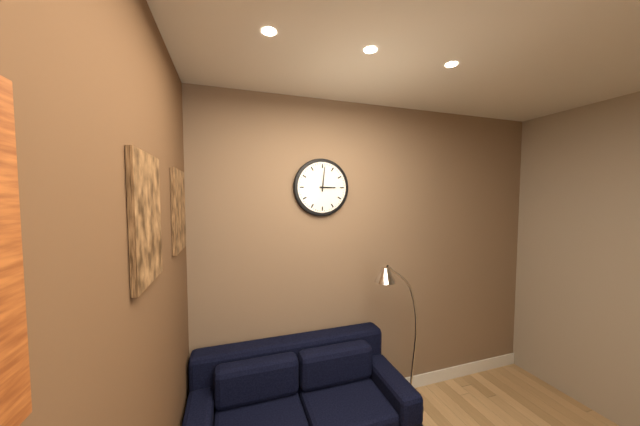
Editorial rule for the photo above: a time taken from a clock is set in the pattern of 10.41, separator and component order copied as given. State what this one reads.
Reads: 3.01
